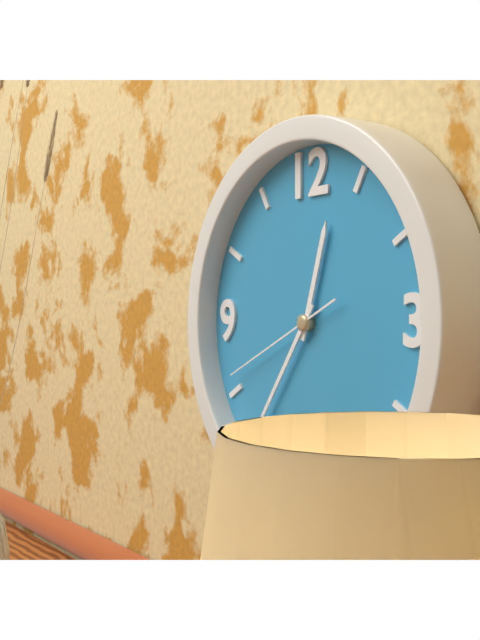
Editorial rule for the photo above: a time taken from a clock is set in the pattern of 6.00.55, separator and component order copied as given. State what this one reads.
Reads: 12.36.41
